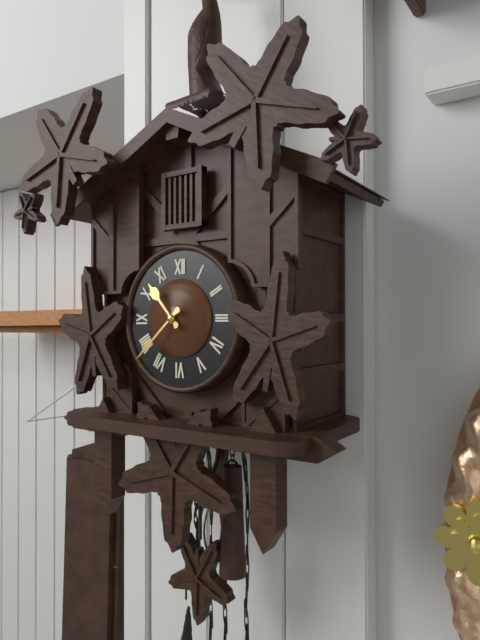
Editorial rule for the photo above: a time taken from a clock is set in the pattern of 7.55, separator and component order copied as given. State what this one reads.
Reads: 10.38
